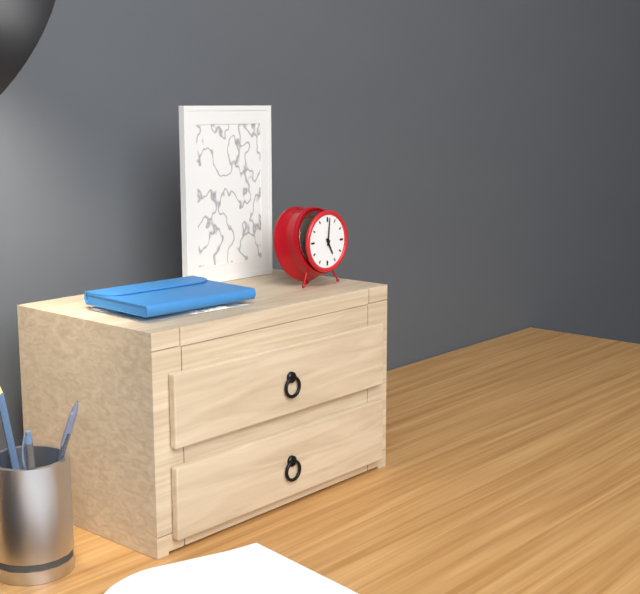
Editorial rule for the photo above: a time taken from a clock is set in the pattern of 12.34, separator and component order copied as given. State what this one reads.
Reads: 5.01
